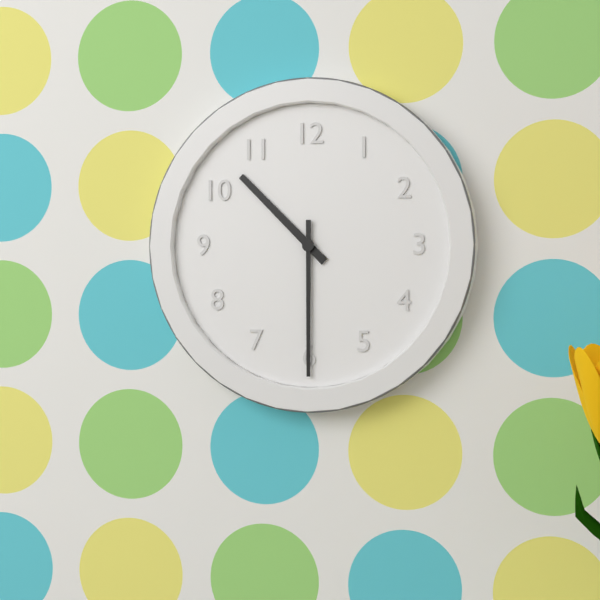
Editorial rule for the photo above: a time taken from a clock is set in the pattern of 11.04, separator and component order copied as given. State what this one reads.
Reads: 10.30
